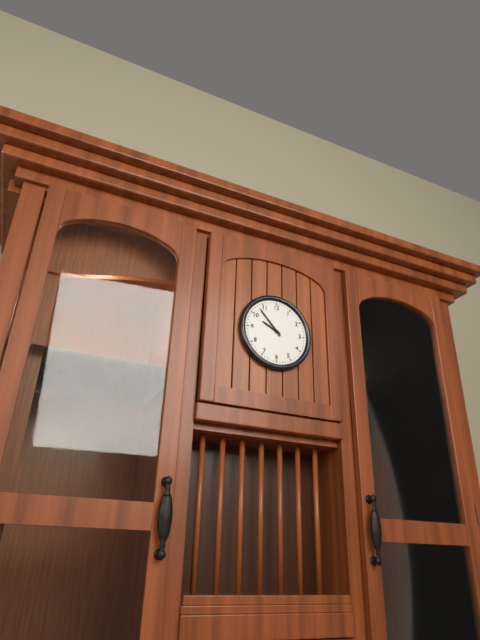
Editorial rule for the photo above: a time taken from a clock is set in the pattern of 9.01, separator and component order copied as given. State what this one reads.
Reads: 9.53
